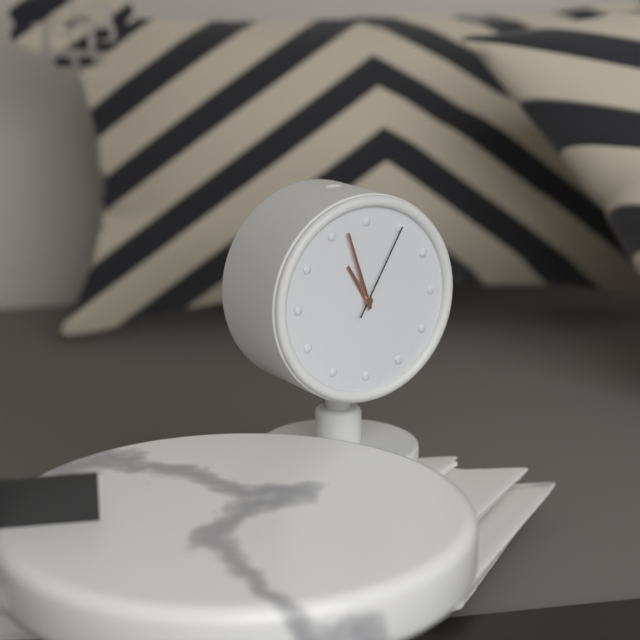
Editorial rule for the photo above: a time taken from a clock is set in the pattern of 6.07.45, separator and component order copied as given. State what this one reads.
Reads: 10.57.05
